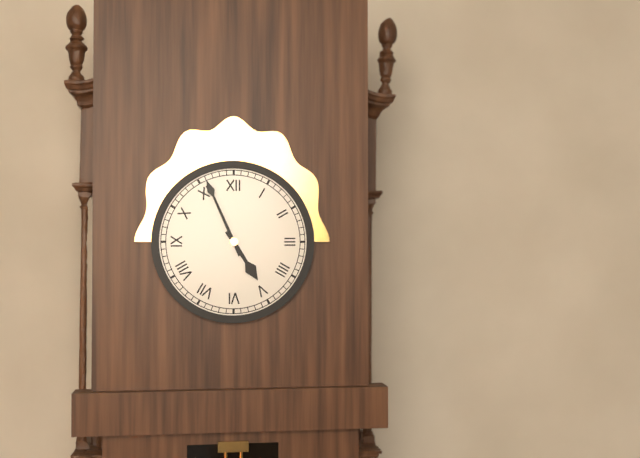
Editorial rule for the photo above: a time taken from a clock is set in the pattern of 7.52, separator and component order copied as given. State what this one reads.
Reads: 4.56
